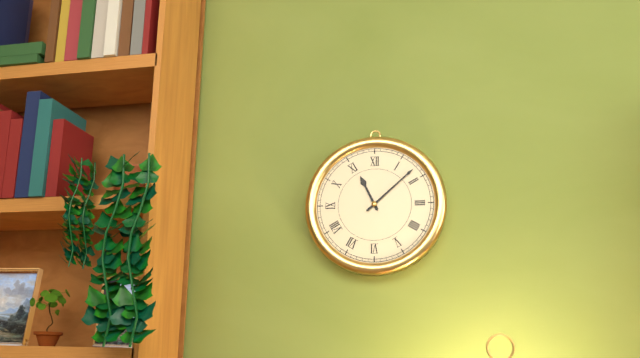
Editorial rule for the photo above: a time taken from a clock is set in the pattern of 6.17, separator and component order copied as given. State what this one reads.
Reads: 11.08
